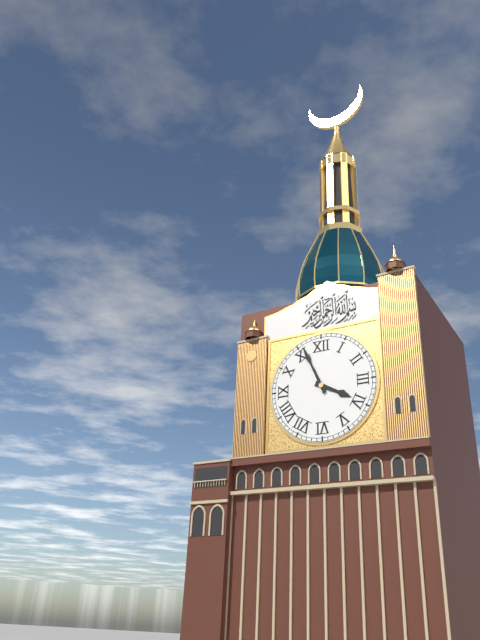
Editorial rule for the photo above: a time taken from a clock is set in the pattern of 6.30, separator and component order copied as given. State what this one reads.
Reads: 3.56
